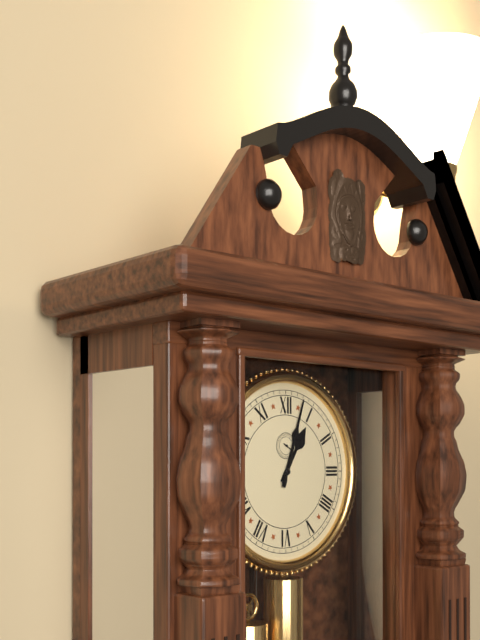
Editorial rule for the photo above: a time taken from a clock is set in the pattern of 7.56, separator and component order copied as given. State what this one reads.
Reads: 1.03
